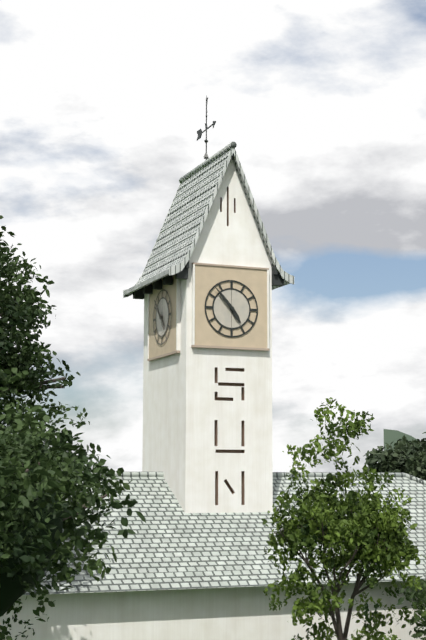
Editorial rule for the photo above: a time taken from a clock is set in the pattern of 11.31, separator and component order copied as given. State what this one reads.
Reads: 4.53
